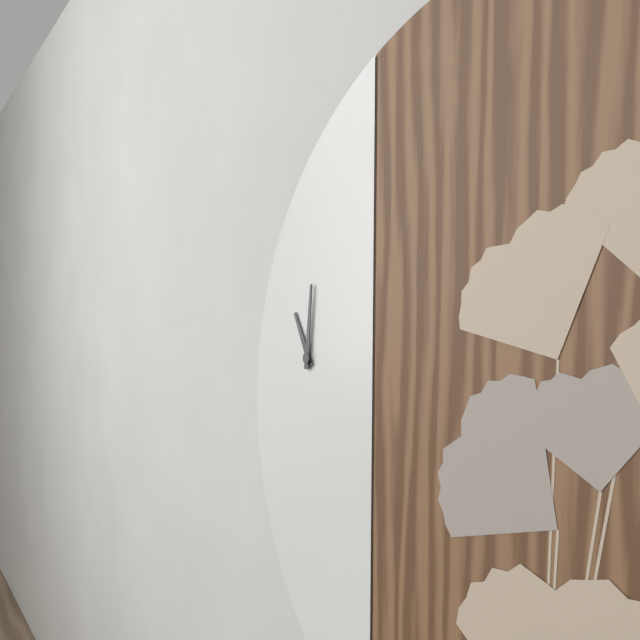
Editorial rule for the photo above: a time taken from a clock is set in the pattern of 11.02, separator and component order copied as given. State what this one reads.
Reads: 11.01
